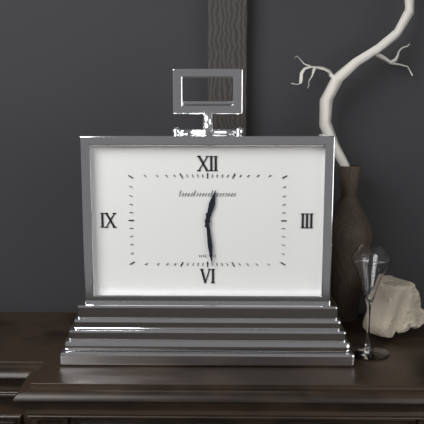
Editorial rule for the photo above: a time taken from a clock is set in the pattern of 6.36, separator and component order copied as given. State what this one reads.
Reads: 12.29
